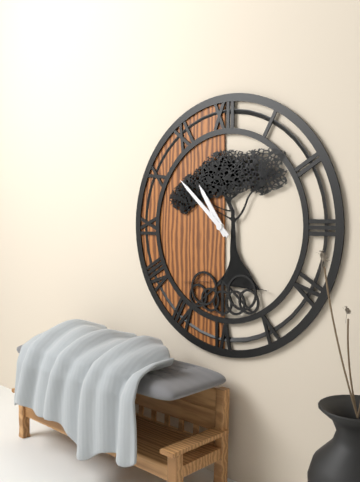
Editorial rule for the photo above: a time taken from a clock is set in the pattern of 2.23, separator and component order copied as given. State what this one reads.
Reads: 10.52
